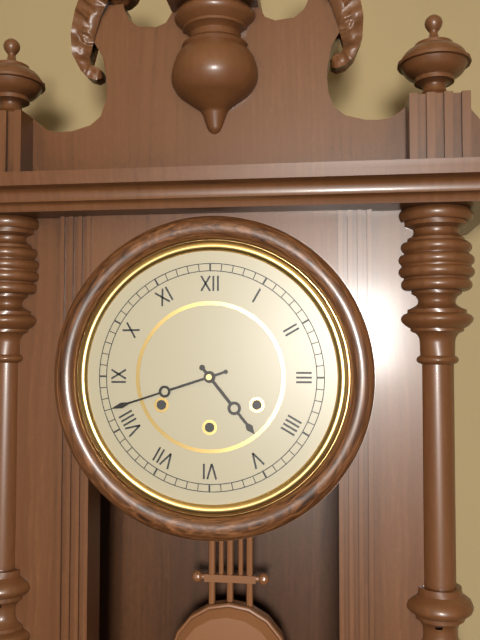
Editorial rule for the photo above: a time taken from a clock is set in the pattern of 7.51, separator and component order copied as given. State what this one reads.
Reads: 4.42
